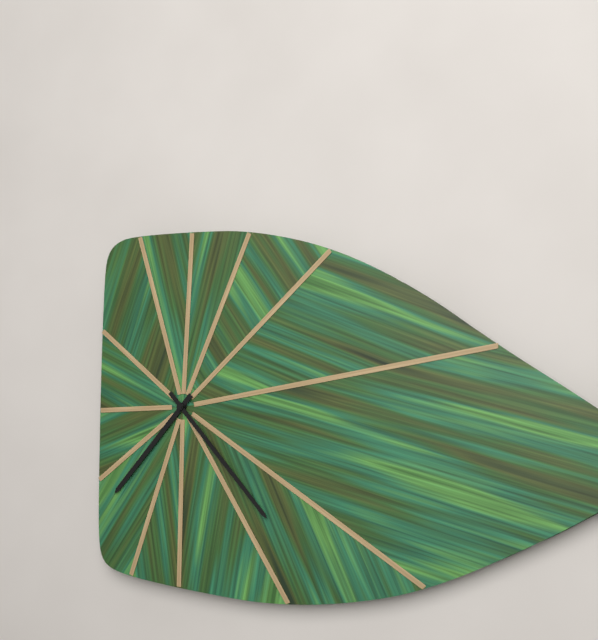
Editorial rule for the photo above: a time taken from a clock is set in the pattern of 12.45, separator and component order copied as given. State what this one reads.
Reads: 7.23
